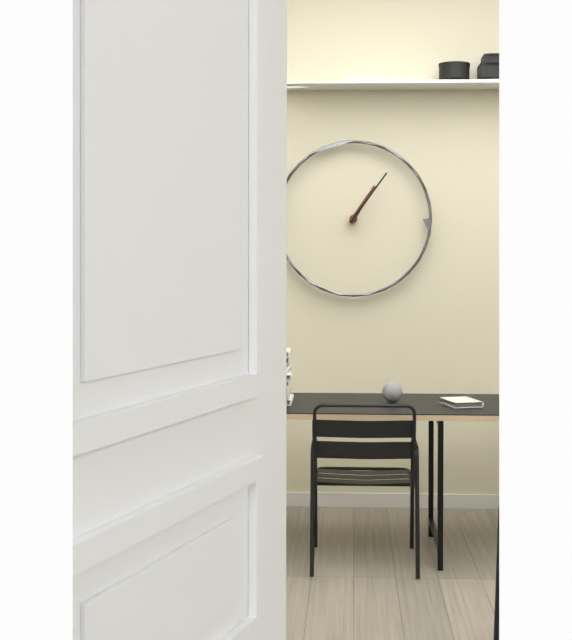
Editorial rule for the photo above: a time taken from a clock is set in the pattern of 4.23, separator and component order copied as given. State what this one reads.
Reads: 1.06
